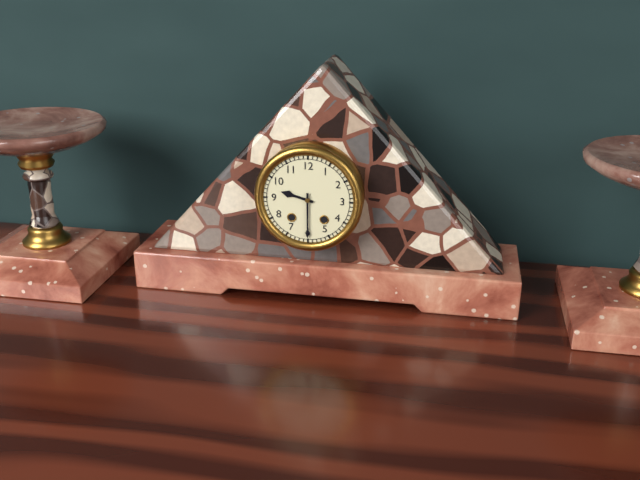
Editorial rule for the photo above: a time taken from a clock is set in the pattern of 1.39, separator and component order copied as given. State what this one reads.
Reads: 9.30
